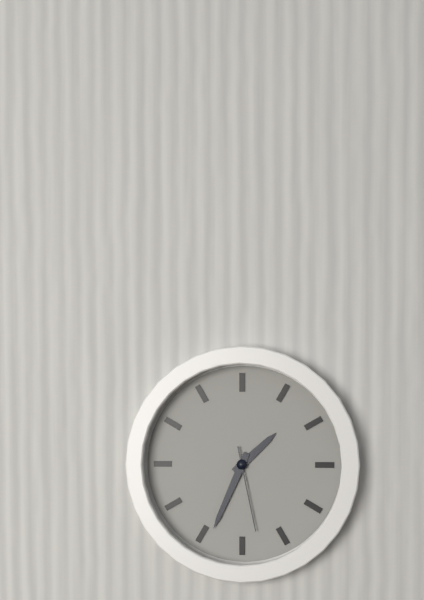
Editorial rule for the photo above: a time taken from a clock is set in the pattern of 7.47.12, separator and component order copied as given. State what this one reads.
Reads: 1.34.28
